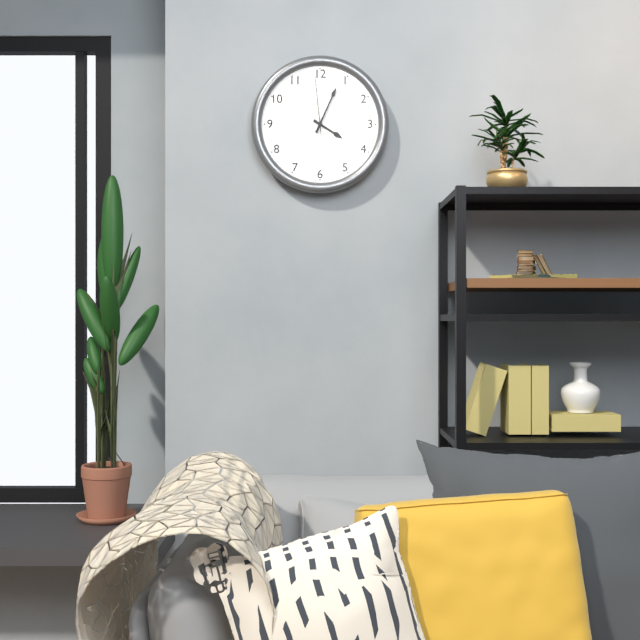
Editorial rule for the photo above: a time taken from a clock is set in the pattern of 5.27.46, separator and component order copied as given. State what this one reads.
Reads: 4.04.59
